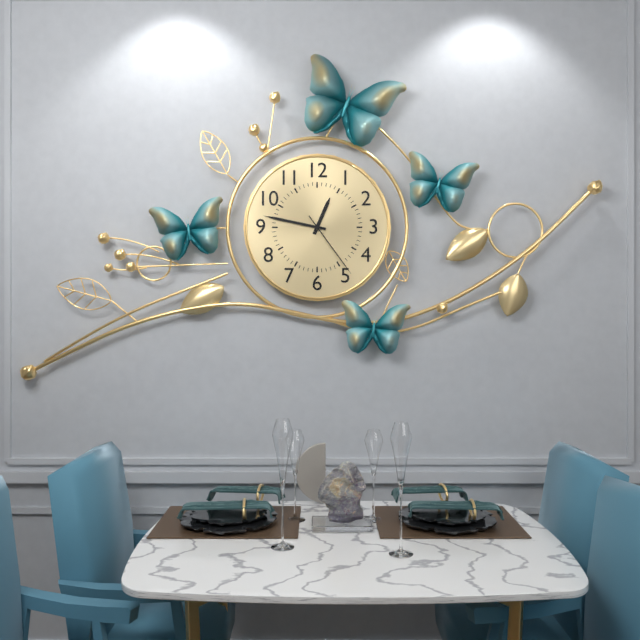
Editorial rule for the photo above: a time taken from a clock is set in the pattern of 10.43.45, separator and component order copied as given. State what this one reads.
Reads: 12.47.24
